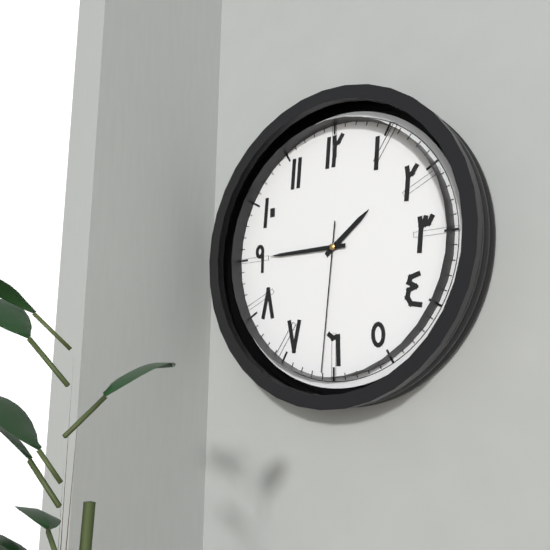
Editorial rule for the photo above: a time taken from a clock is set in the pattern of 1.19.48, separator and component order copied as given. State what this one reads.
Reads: 1.45.31
